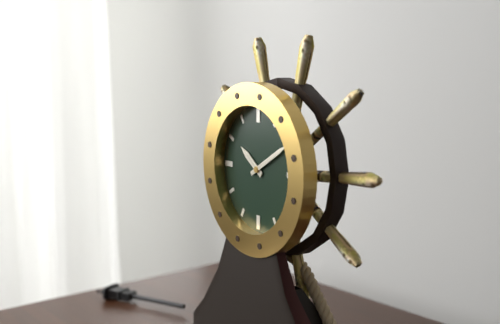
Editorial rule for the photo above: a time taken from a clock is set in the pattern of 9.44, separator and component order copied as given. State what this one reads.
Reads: 10.10
